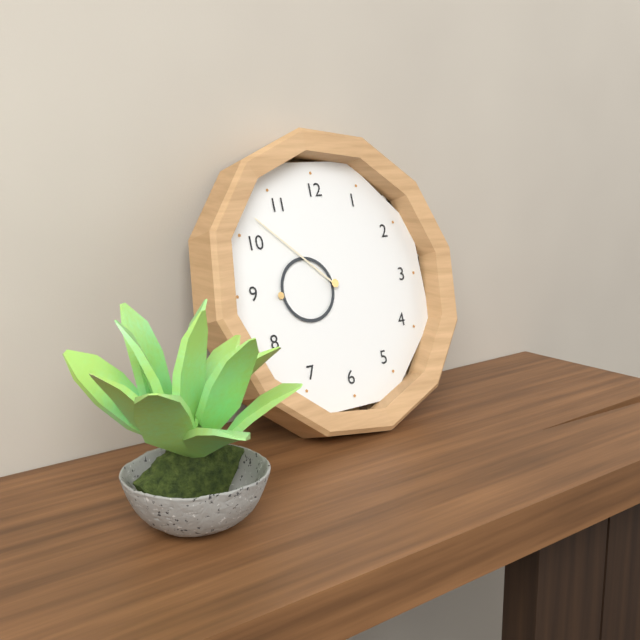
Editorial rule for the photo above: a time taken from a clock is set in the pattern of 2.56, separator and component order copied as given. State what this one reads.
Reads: 8.52
